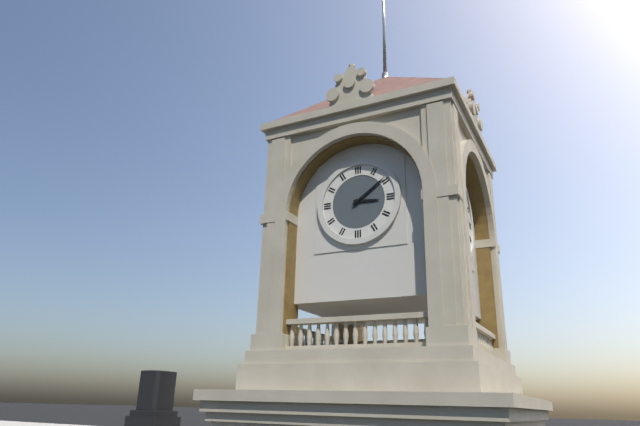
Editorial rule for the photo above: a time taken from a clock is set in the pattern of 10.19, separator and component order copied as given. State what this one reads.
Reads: 3.09
